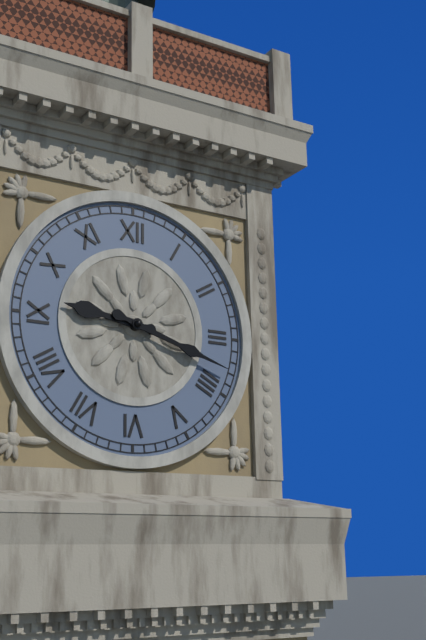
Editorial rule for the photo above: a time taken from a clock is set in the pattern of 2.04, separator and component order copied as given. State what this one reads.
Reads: 9.18
